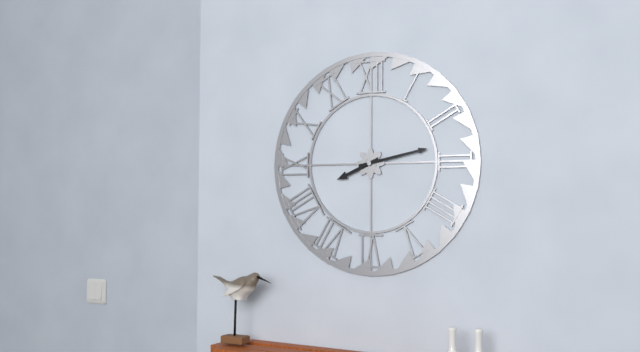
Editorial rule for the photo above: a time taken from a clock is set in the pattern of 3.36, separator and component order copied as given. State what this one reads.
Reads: 8.13
